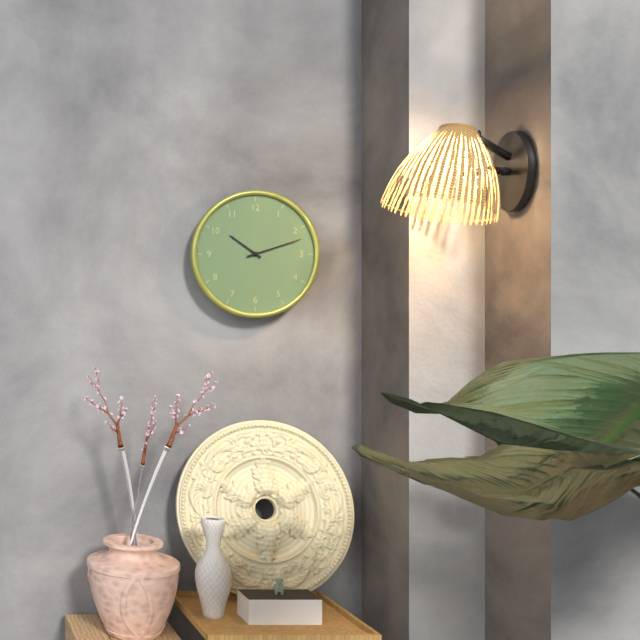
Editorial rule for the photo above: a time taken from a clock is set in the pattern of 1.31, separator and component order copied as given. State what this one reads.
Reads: 10.12
